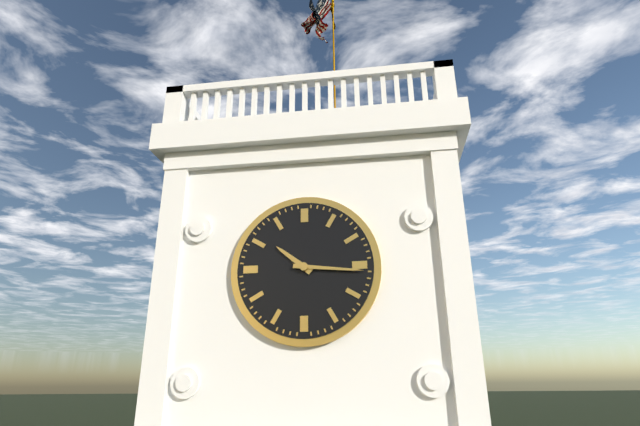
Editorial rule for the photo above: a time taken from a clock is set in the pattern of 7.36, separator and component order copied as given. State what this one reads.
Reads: 10.16
